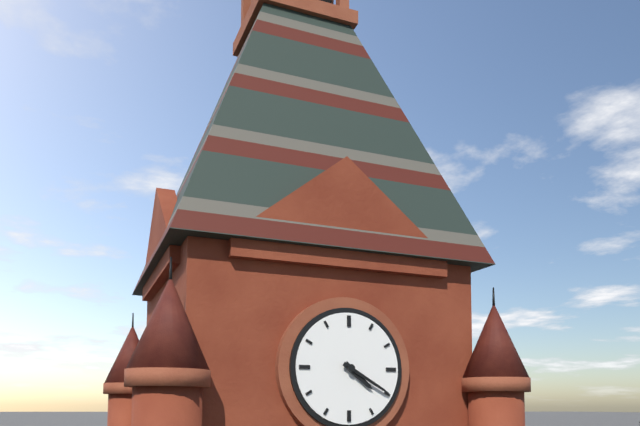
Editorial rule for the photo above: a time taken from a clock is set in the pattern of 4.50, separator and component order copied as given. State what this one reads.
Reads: 4.20
